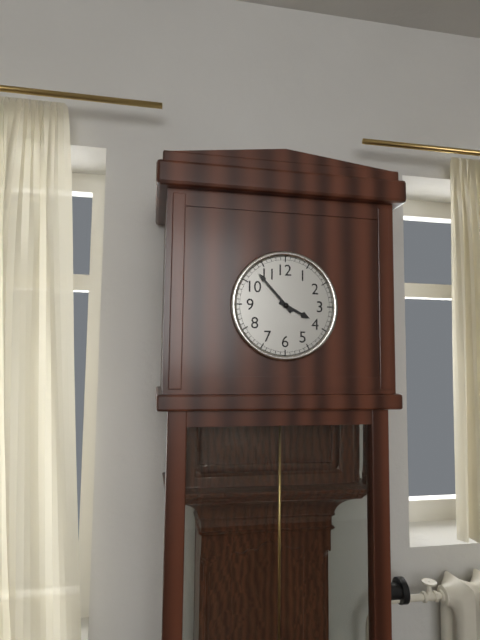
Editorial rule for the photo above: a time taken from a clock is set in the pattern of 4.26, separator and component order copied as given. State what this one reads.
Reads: 3.53
